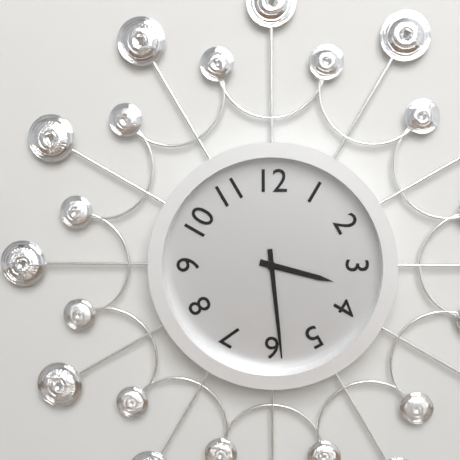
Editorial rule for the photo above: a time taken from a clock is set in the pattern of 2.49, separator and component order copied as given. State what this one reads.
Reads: 3.29
